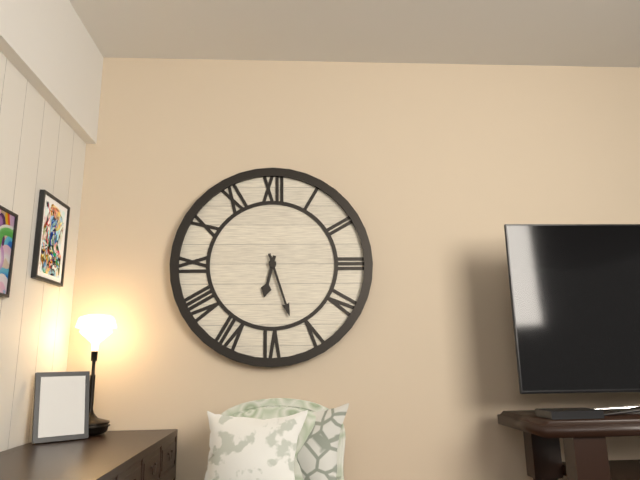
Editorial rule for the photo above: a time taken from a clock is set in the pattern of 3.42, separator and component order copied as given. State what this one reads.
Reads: 6.27
